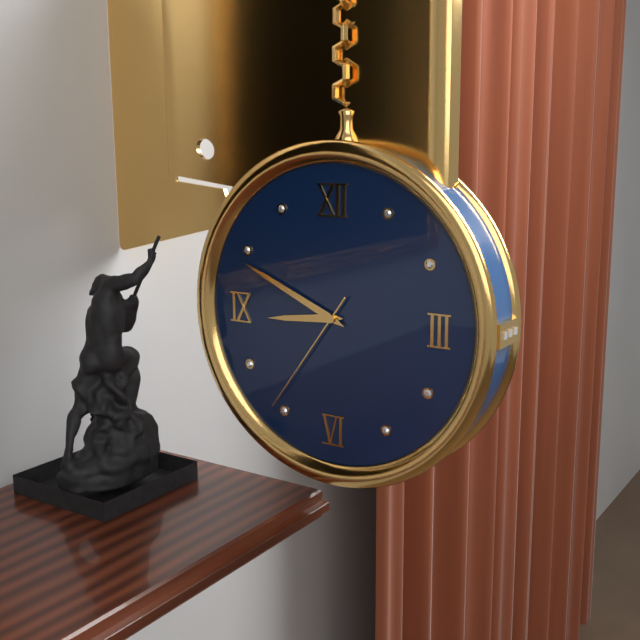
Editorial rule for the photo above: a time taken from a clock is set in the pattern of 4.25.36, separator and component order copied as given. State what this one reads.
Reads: 8.49.36
